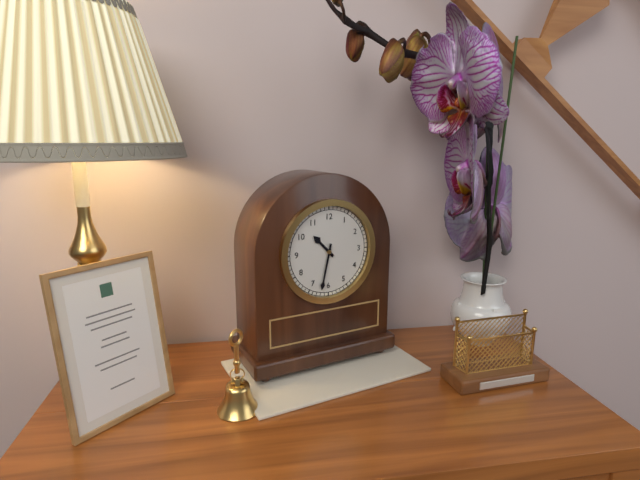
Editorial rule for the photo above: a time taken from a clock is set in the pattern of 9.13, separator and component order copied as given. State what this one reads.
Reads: 10.32
